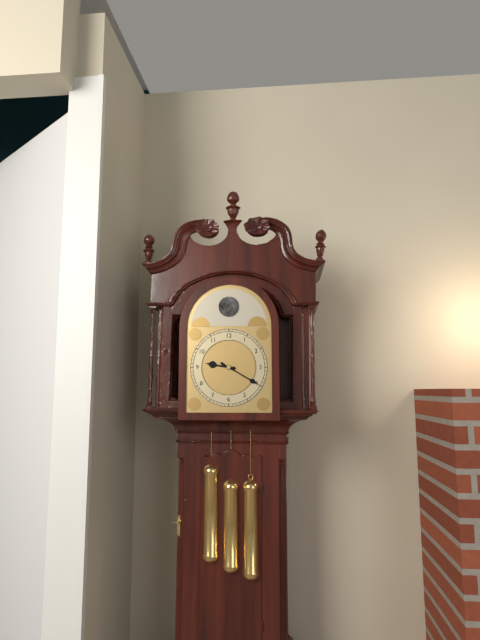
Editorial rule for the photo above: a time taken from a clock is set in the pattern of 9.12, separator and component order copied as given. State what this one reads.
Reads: 9.20
